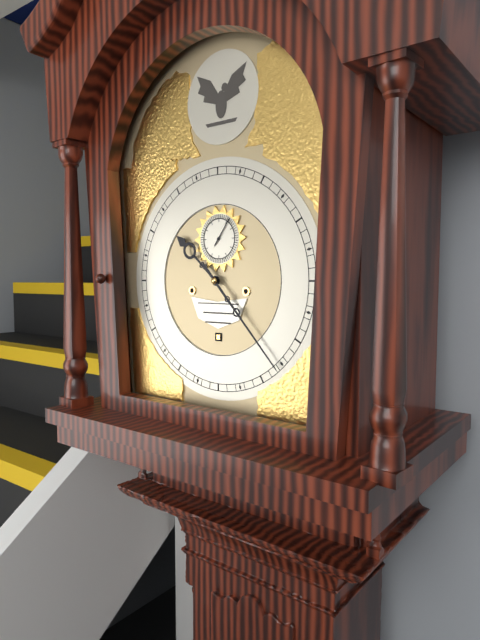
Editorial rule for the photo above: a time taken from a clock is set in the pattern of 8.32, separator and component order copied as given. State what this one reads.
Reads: 10.23
